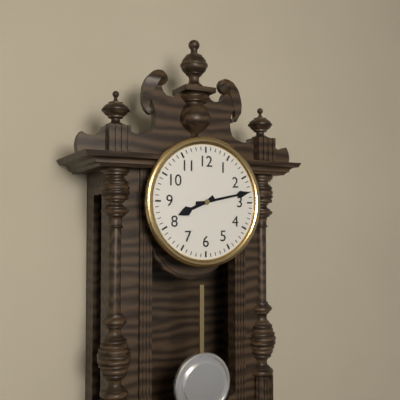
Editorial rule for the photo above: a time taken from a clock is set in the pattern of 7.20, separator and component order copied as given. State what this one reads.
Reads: 8.13
